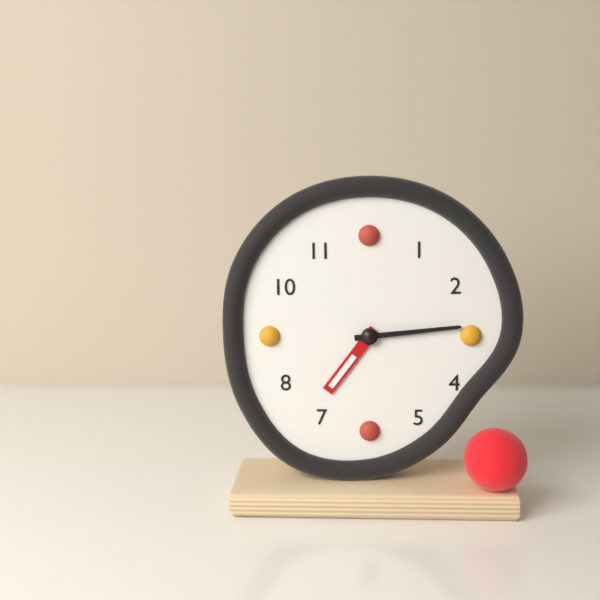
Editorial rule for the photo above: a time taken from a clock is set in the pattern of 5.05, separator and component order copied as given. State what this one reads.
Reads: 7.14
